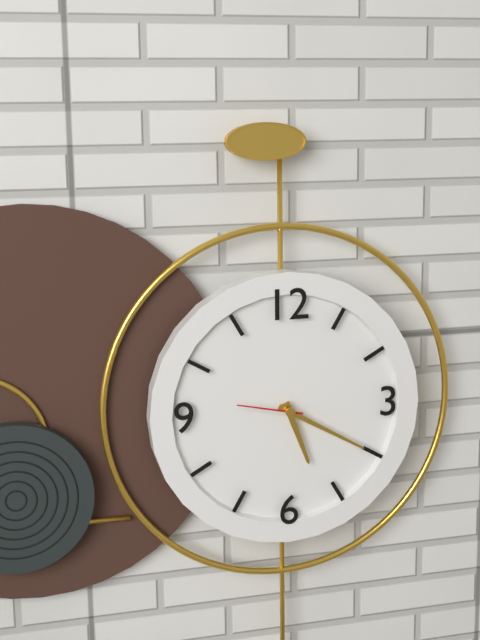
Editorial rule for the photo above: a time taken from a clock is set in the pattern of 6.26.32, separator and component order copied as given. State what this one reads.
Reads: 5.20.47
